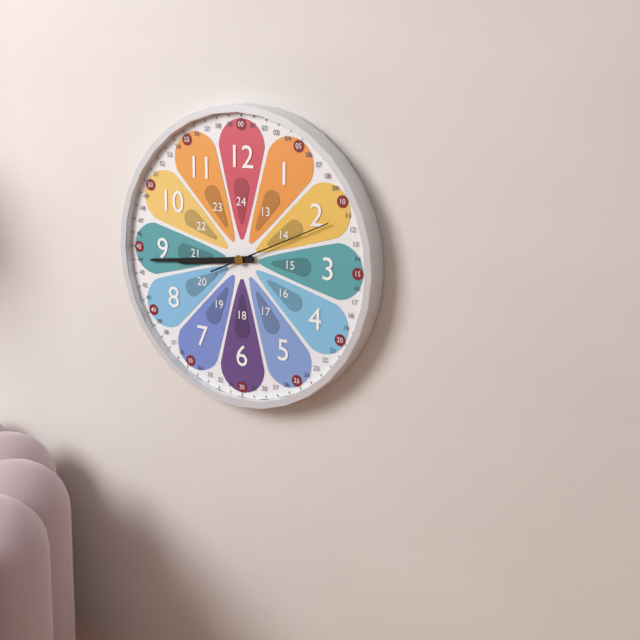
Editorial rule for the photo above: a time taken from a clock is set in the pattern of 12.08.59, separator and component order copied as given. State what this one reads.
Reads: 8.44.11
